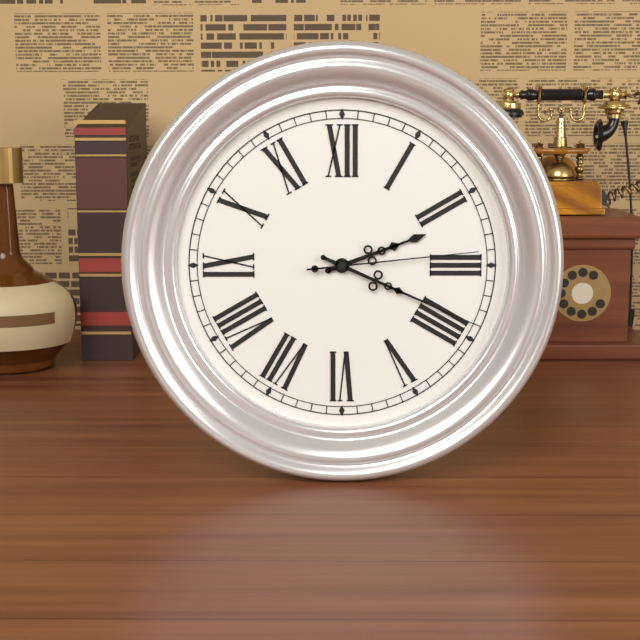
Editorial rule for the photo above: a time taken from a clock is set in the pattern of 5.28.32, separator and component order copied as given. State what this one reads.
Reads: 2.19.14
